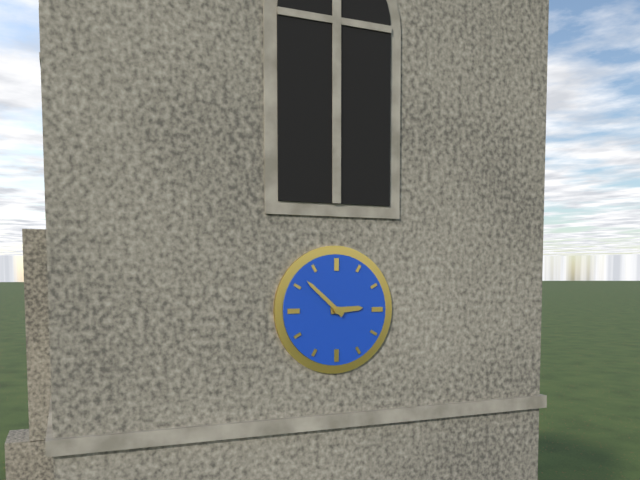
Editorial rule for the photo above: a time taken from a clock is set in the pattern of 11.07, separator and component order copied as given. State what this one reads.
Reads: 2.52
